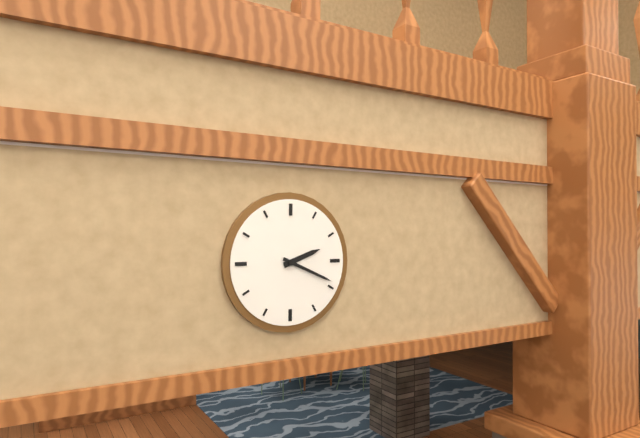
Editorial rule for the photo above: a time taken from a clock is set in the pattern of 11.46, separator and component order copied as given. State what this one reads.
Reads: 2.19
